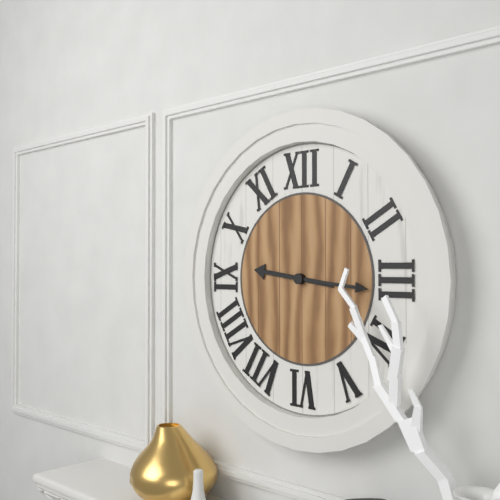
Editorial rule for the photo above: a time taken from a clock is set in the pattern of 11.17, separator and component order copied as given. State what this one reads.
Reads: 9.16
